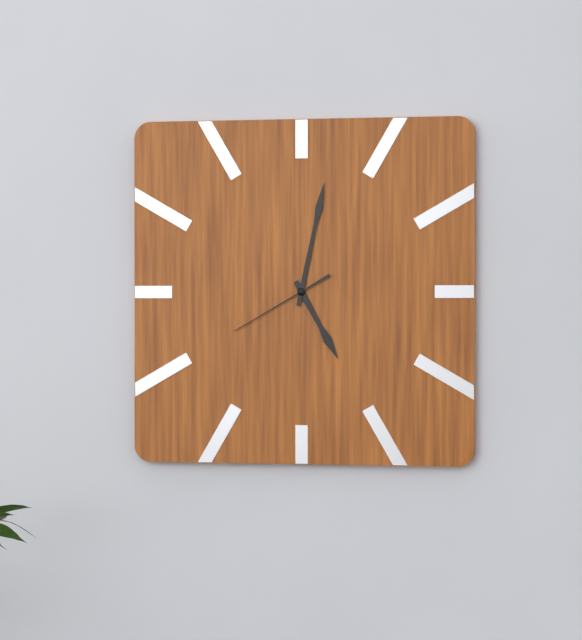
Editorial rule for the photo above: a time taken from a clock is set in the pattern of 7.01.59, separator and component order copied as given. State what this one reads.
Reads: 5.02.40
